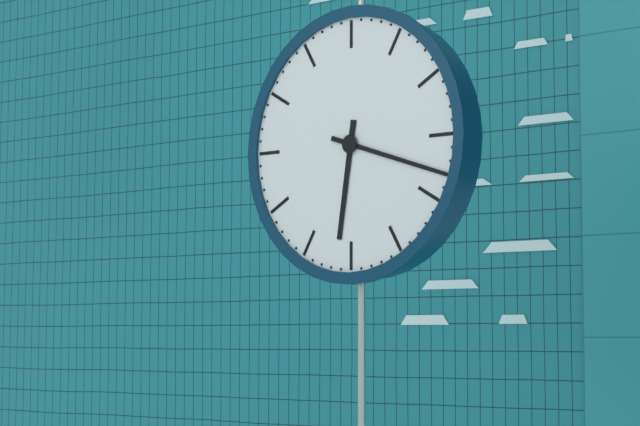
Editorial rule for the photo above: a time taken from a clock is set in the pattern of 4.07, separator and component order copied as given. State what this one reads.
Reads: 6.18
